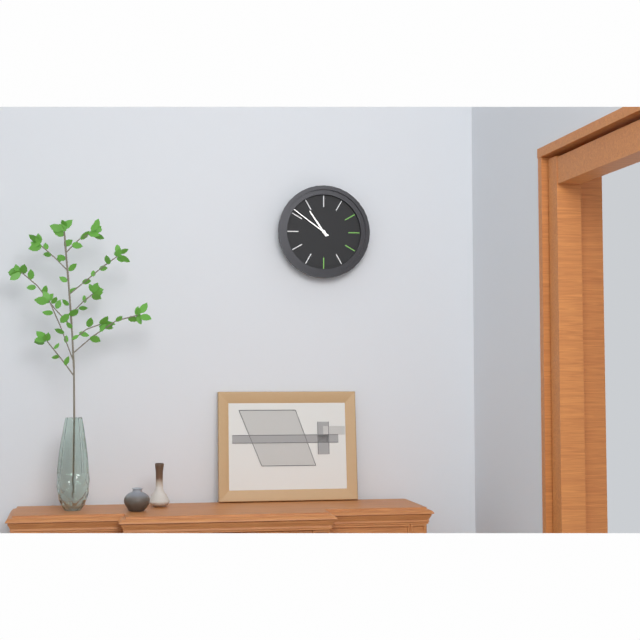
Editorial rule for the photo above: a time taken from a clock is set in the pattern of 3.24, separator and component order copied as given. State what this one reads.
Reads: 10.51
